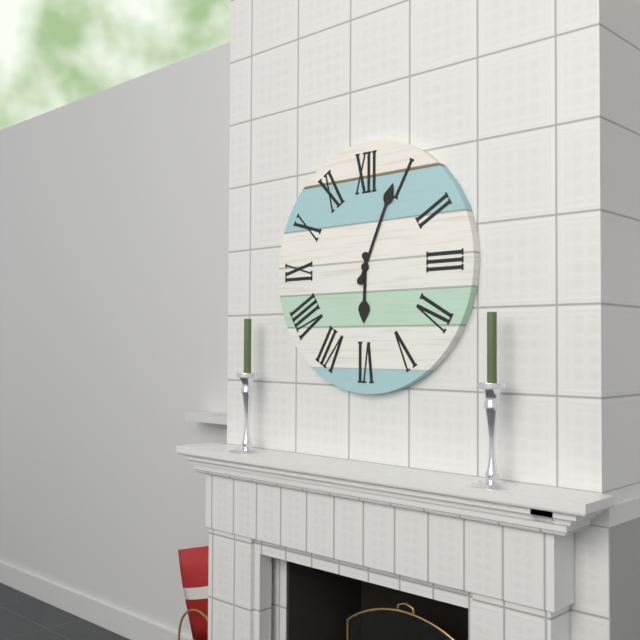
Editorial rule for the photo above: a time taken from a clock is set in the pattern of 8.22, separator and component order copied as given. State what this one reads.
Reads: 6.04
